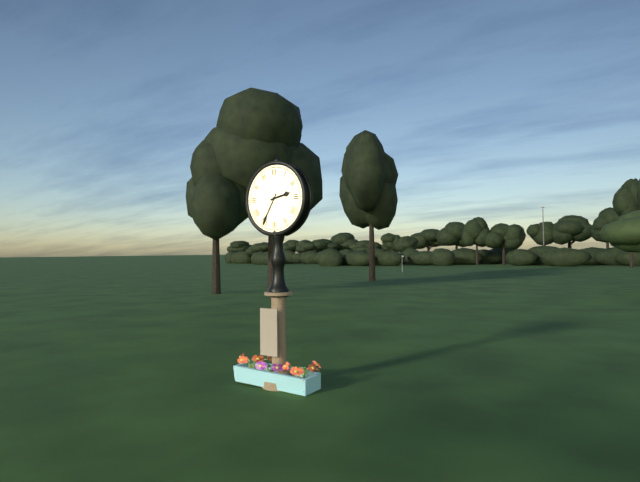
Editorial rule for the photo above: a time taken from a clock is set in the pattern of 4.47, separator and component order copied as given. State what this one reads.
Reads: 2.35
